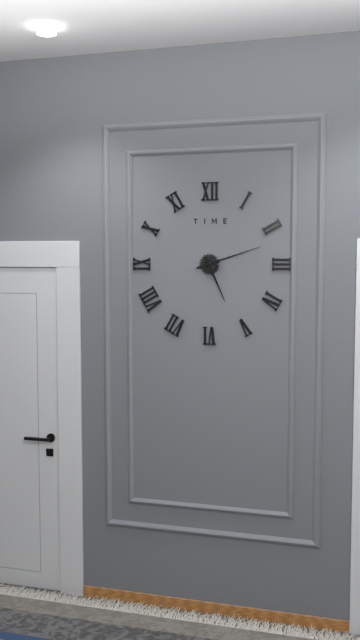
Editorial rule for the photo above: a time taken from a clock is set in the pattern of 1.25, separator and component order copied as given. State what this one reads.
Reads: 5.12
